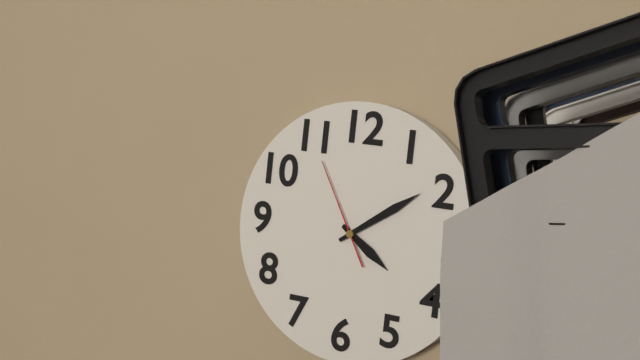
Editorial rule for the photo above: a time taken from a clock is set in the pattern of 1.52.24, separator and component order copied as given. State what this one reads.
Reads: 4.09.55
